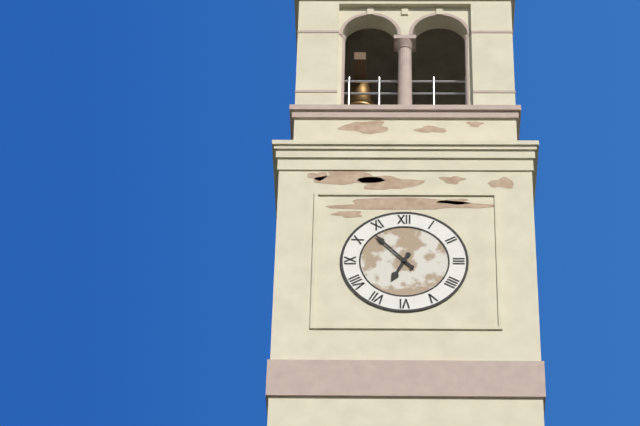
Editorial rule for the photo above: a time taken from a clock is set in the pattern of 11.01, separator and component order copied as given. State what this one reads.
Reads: 6.53
